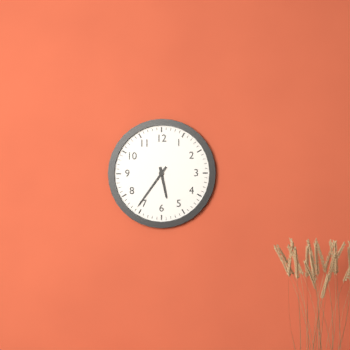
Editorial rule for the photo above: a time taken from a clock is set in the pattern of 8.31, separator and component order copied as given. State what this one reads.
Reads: 5.36
